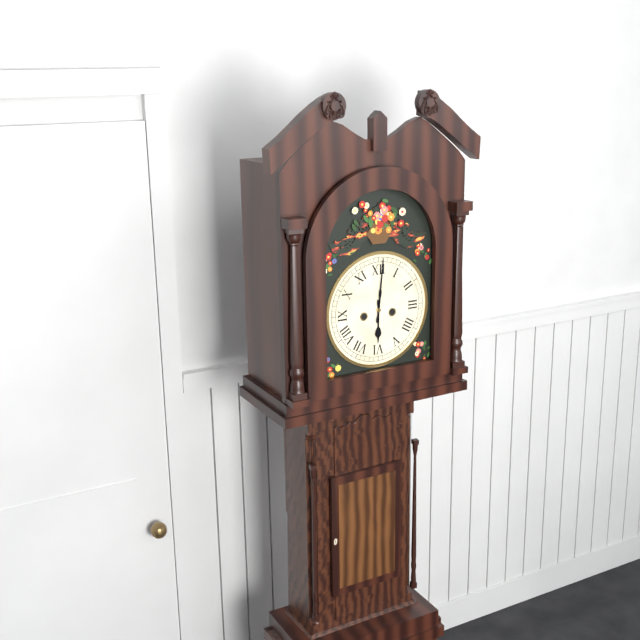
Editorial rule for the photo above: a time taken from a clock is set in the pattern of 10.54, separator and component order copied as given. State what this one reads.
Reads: 6.01
